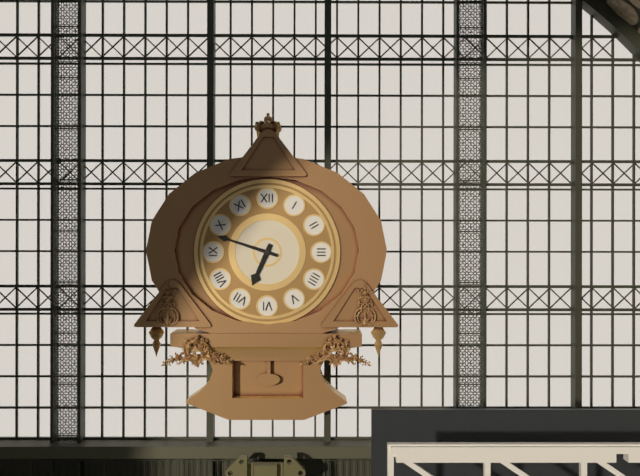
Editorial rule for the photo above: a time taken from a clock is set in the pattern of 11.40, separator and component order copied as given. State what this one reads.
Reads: 6.48
